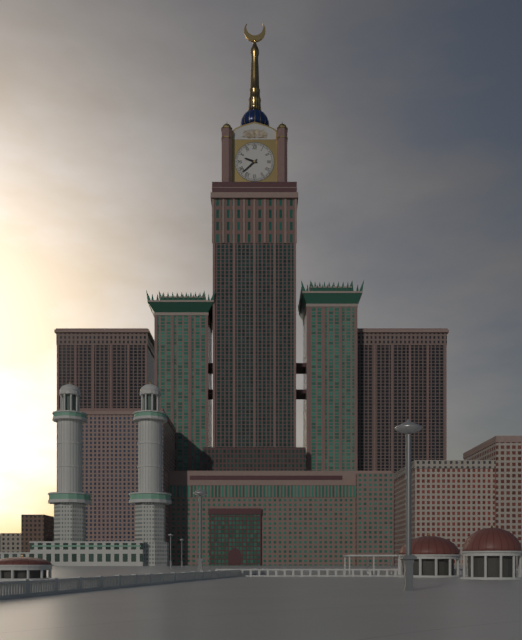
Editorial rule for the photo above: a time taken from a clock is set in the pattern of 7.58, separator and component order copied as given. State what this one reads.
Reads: 9.38
